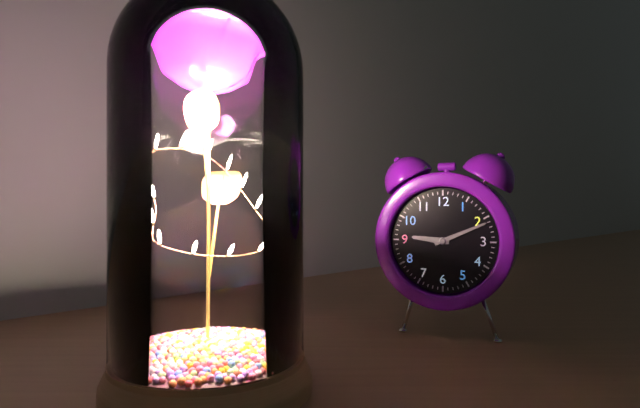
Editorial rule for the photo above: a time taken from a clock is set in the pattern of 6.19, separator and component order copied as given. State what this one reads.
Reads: 9.11
